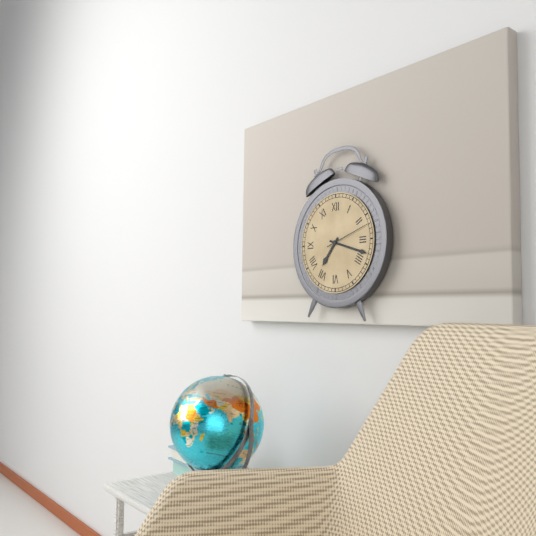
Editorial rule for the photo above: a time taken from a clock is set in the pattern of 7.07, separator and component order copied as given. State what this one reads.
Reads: 7.18
